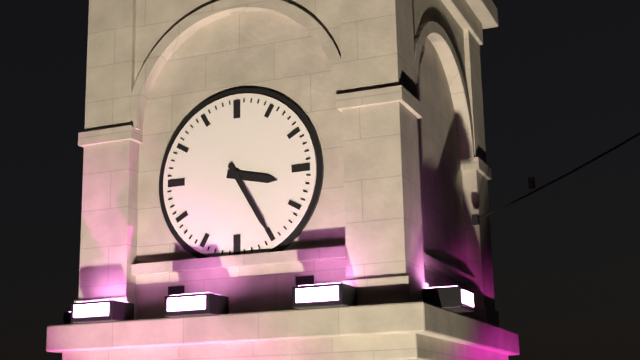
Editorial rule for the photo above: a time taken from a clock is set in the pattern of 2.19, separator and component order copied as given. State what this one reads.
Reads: 3.25
